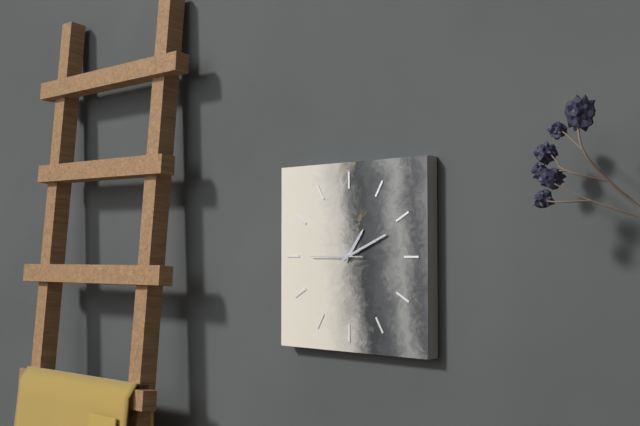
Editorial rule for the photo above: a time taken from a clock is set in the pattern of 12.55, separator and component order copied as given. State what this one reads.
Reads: 1.11
